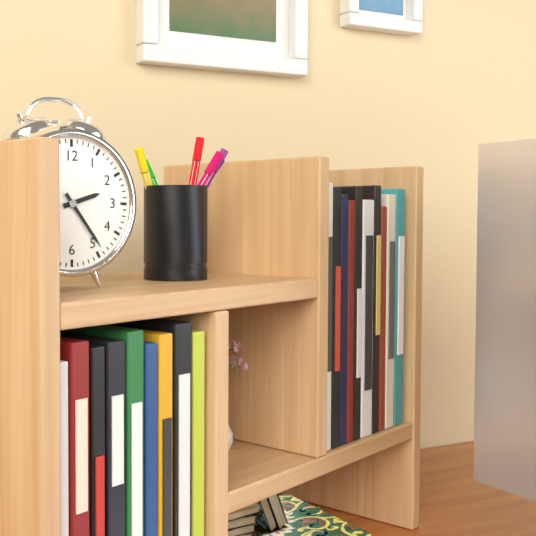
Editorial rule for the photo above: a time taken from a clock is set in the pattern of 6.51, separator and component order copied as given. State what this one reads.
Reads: 2.24
